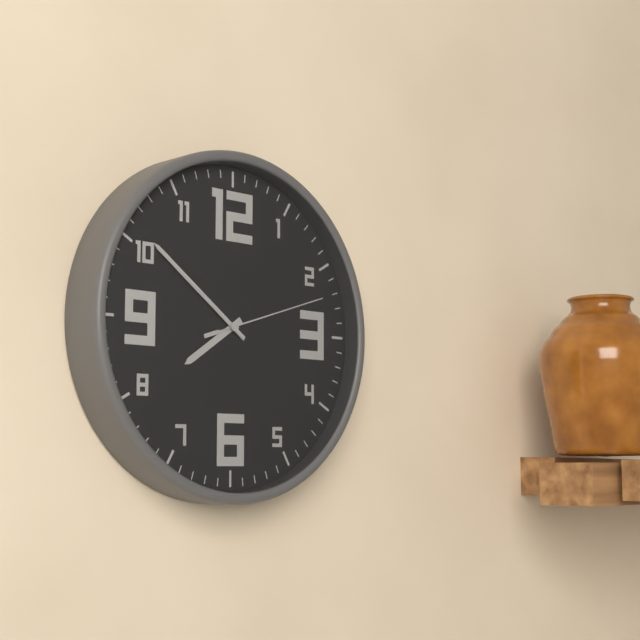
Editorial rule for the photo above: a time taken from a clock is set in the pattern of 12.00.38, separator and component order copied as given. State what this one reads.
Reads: 7.51.12
